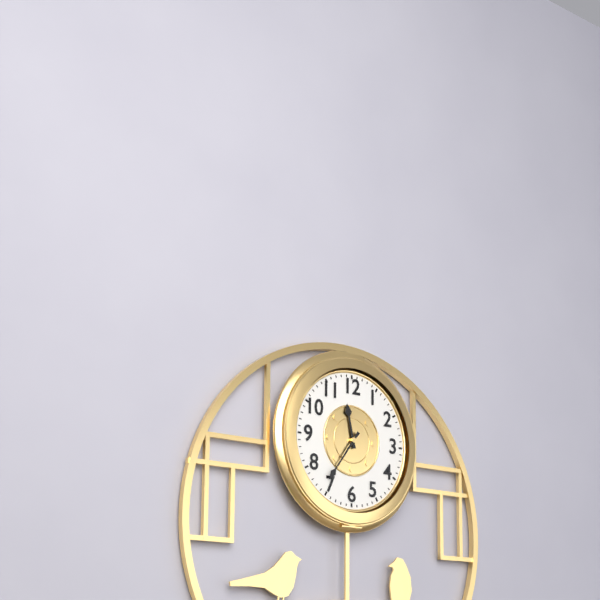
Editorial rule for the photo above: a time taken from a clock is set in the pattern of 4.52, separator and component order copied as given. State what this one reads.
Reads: 11.36
